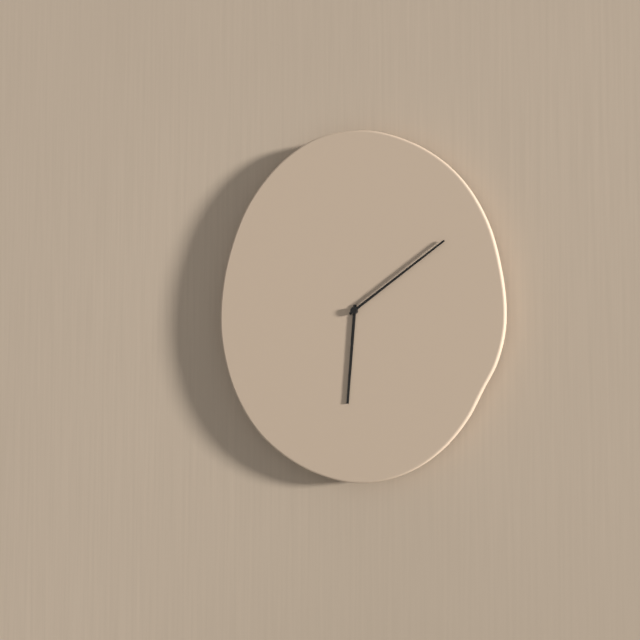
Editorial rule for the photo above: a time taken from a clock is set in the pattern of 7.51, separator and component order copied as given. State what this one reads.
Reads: 6.09
